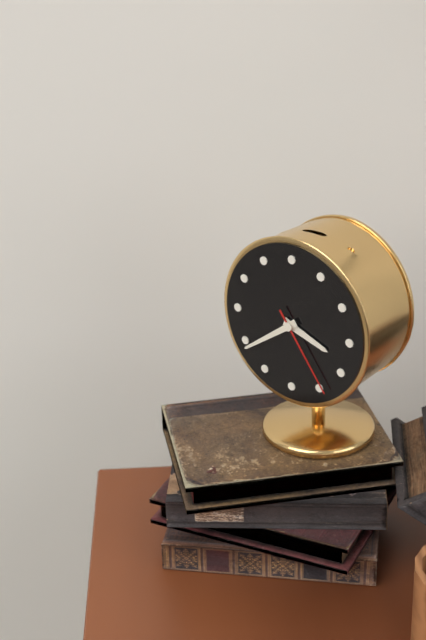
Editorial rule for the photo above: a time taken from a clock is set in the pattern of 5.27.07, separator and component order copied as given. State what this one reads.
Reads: 3.39.24
